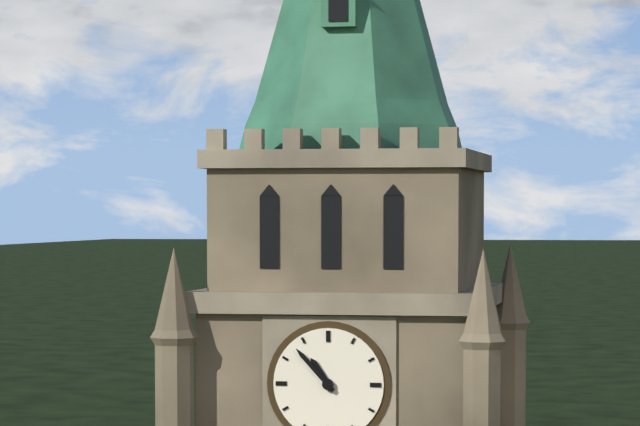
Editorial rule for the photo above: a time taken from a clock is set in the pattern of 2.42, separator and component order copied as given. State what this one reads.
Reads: 10.53
